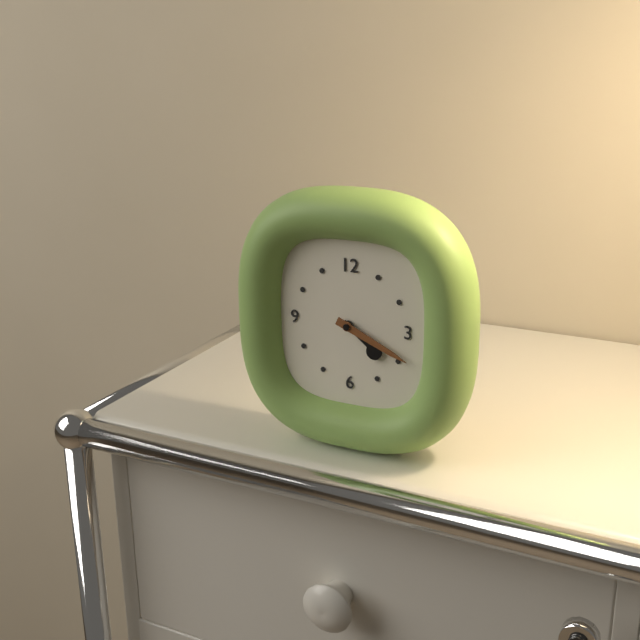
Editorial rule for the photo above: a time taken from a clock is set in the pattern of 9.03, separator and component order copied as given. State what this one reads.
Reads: 4.19
